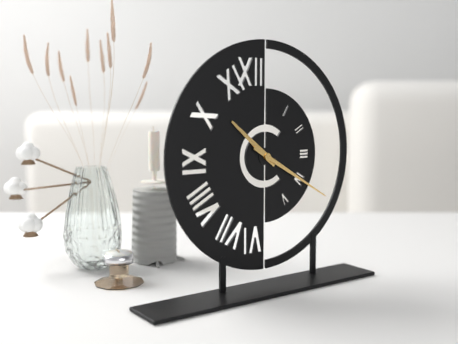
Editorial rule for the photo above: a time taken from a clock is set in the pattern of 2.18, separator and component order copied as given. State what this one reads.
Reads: 10.20
